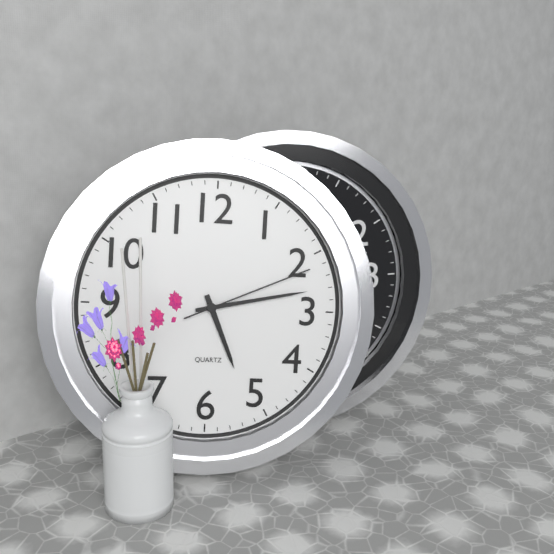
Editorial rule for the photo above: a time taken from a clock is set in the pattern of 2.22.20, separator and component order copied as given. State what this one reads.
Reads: 5.13.11
